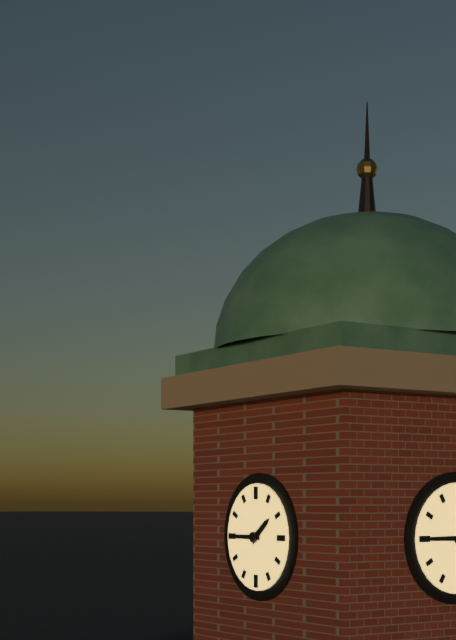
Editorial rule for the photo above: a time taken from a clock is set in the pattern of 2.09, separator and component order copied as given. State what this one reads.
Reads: 1.45
